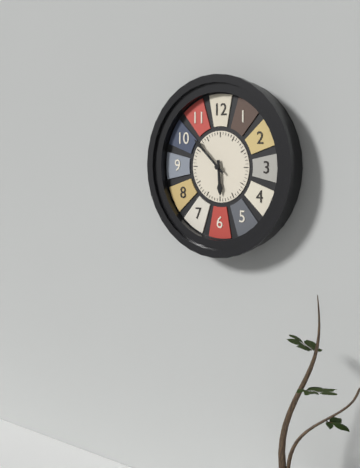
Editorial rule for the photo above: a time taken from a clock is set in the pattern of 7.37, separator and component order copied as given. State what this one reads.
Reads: 5.52
